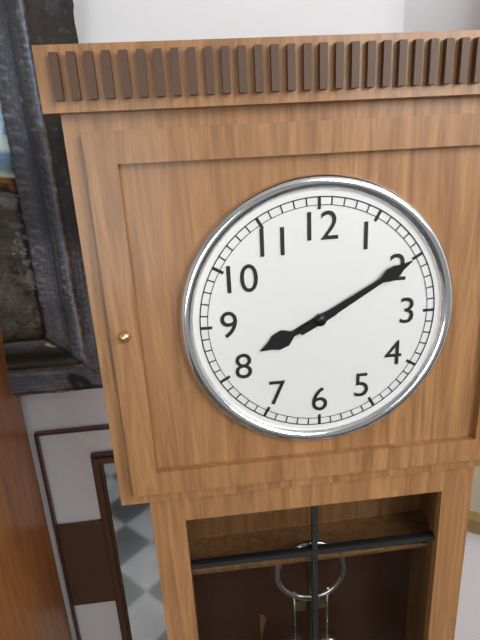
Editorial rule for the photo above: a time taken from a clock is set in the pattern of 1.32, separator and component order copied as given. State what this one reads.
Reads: 8.10
